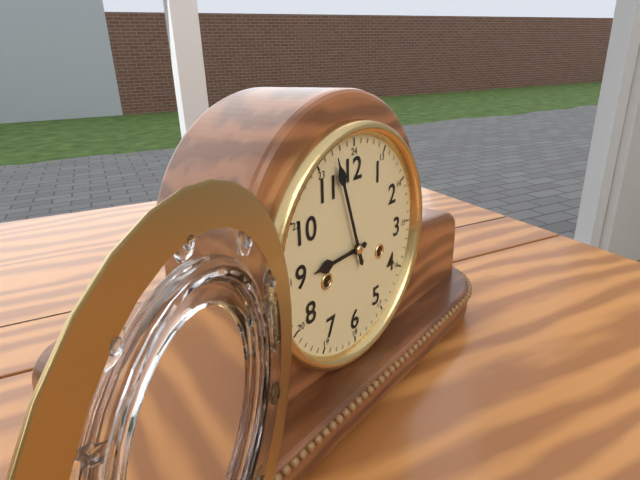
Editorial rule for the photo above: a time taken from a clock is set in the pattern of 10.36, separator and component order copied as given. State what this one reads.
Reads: 8.57
